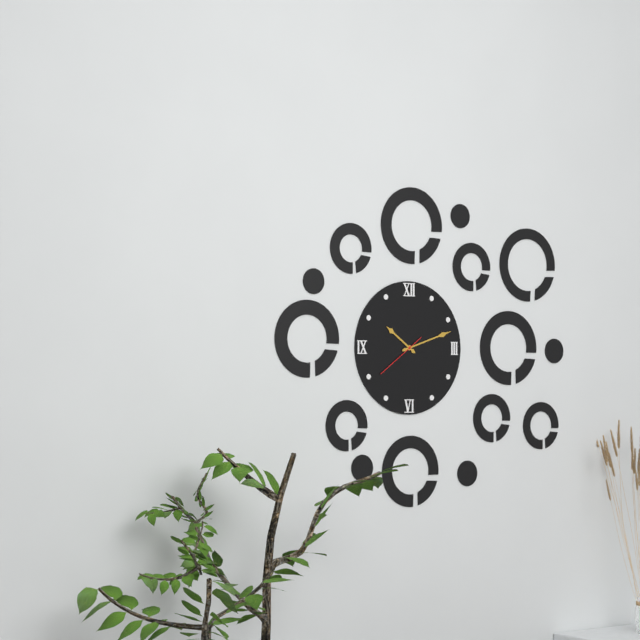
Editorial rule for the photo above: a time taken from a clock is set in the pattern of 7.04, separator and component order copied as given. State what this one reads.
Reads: 10.12
